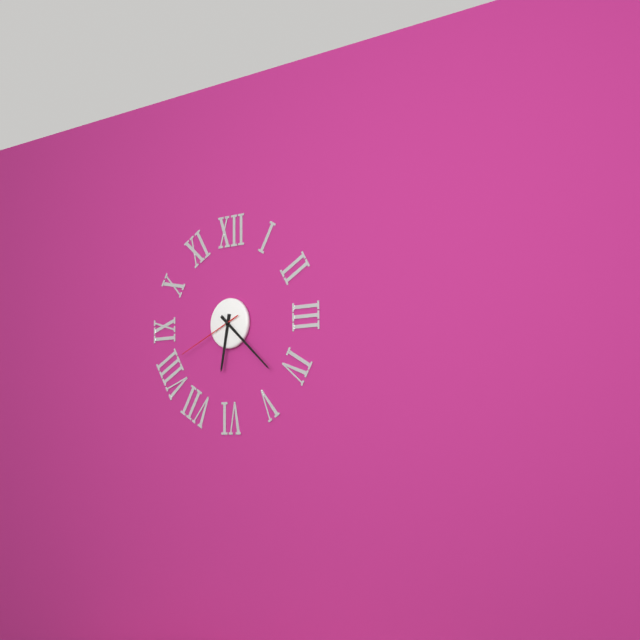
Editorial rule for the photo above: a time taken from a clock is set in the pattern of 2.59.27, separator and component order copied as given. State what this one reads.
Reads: 6.22.41
